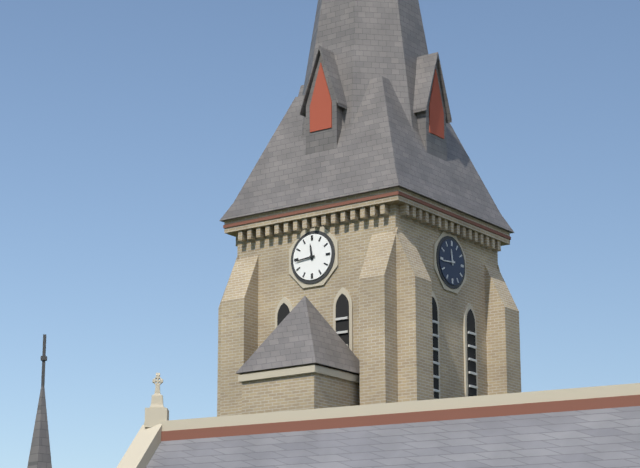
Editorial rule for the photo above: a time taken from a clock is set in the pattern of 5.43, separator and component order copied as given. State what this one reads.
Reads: 11.44
